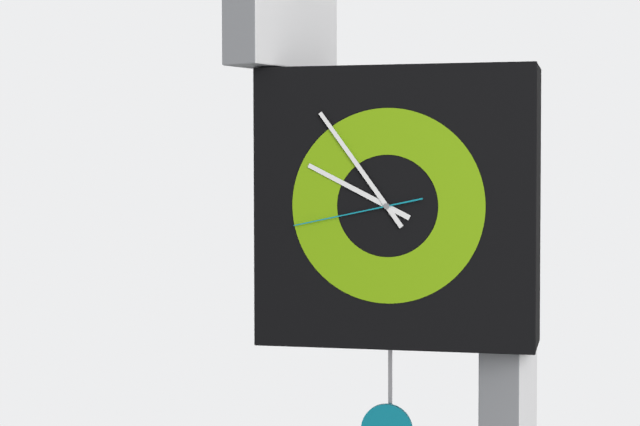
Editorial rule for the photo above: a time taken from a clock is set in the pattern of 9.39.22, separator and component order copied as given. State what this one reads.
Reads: 9.54.43
